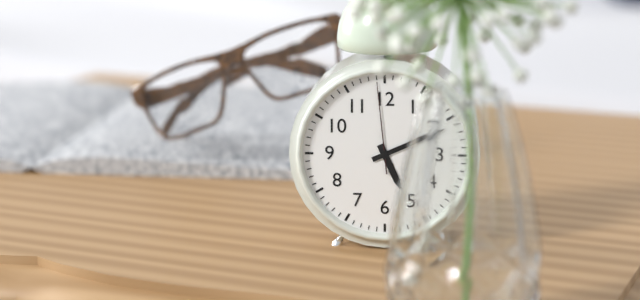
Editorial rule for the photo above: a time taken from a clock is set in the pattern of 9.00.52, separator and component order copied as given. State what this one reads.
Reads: 5.11.59
